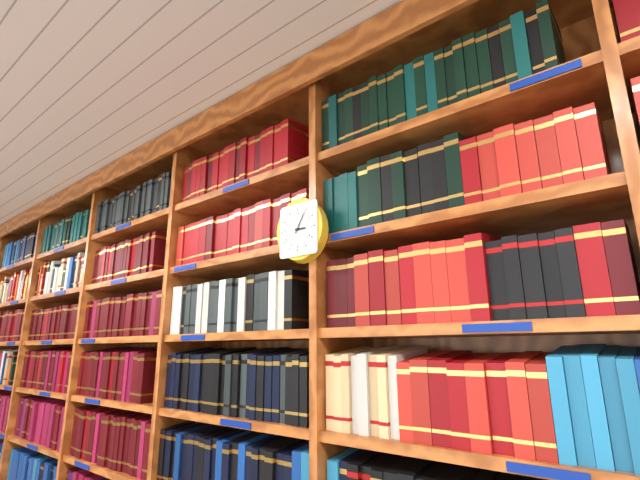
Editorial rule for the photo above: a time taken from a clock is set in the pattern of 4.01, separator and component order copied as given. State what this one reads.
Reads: 3.05
